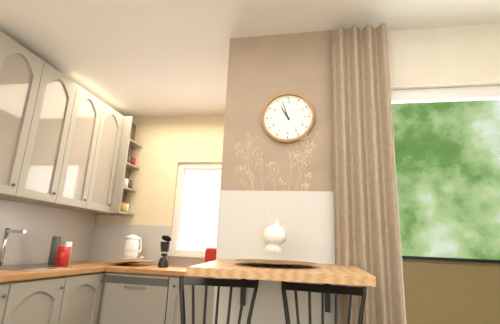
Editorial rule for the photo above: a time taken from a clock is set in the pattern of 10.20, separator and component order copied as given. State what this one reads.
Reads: 10.57
